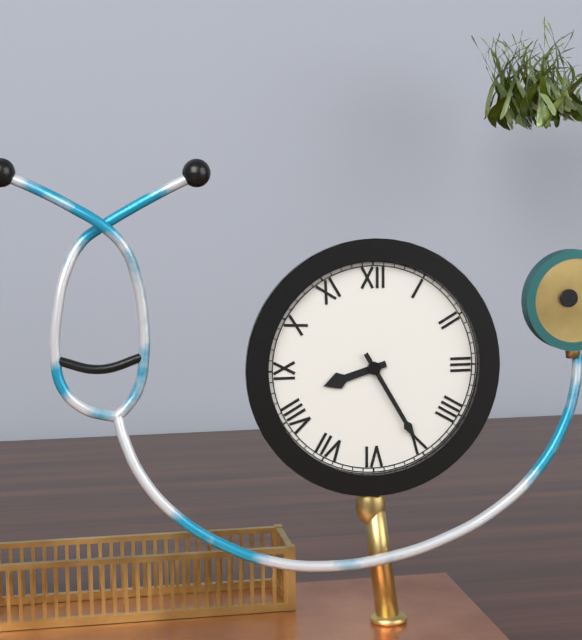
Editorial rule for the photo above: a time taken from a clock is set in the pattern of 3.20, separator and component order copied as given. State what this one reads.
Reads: 8.25
